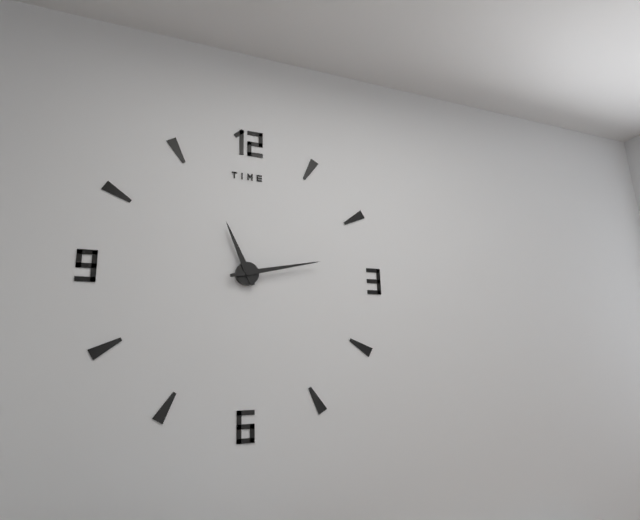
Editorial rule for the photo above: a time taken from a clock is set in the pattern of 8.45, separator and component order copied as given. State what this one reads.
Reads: 11.13
